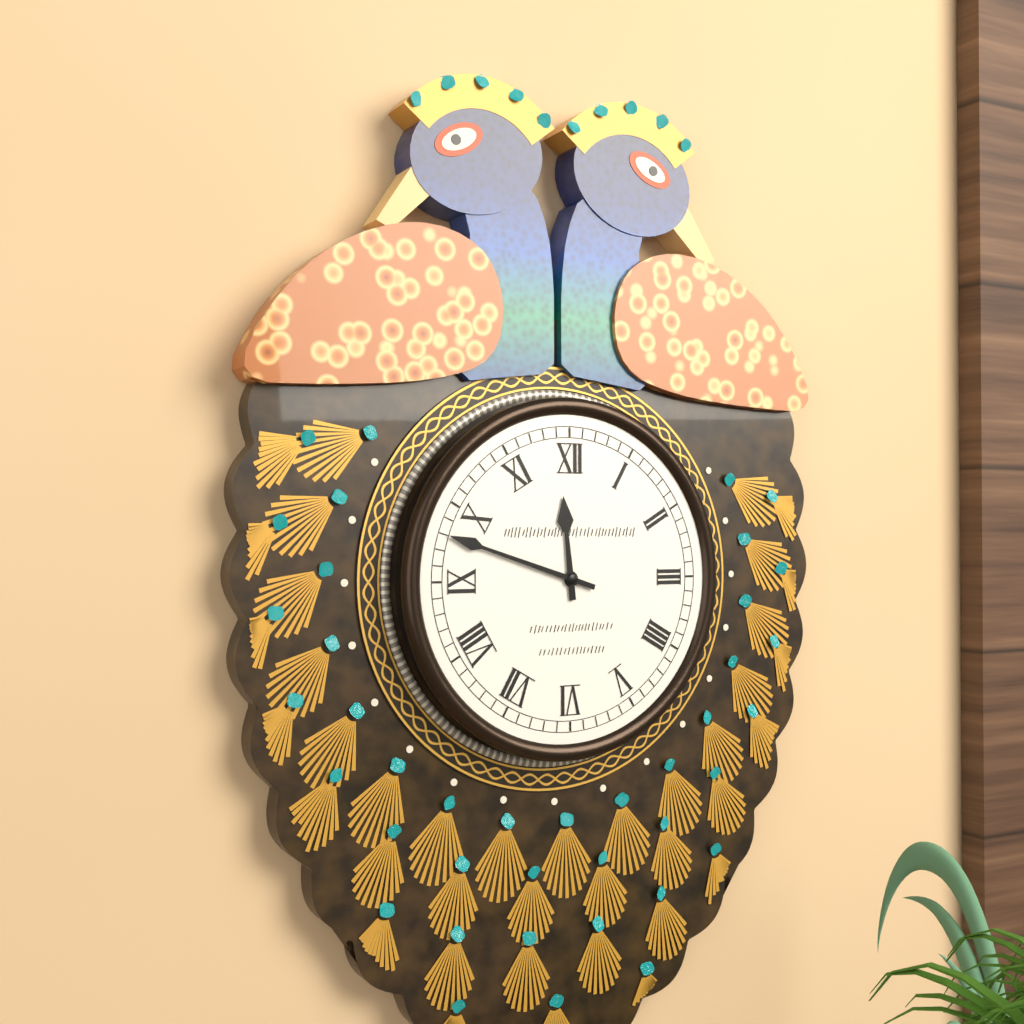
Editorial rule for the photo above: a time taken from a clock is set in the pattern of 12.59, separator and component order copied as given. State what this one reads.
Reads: 11.48
